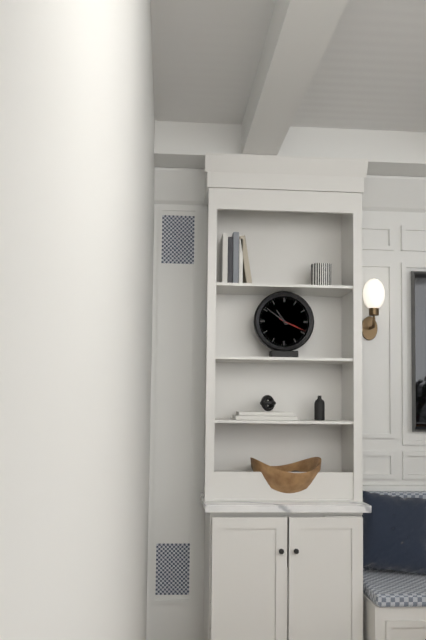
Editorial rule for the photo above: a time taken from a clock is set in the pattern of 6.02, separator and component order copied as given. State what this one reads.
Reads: 10.51
